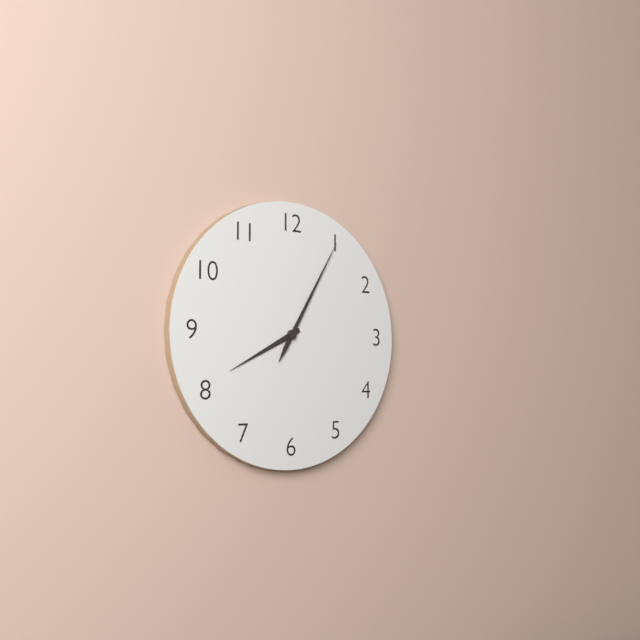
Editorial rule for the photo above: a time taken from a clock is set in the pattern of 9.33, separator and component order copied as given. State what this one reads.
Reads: 8.05
